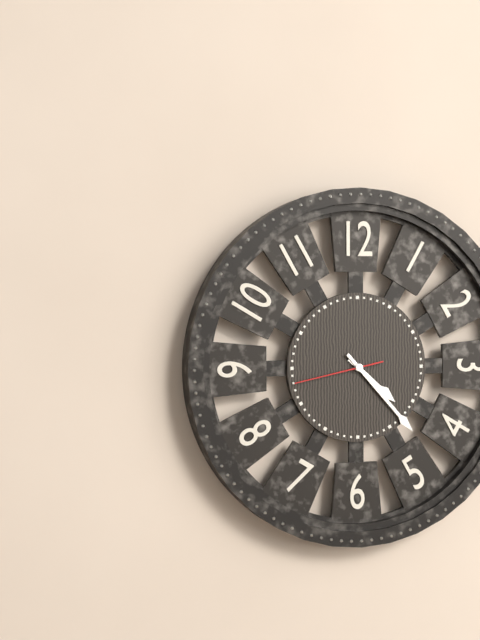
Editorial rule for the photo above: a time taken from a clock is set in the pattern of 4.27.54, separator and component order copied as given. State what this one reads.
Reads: 4.23.43
